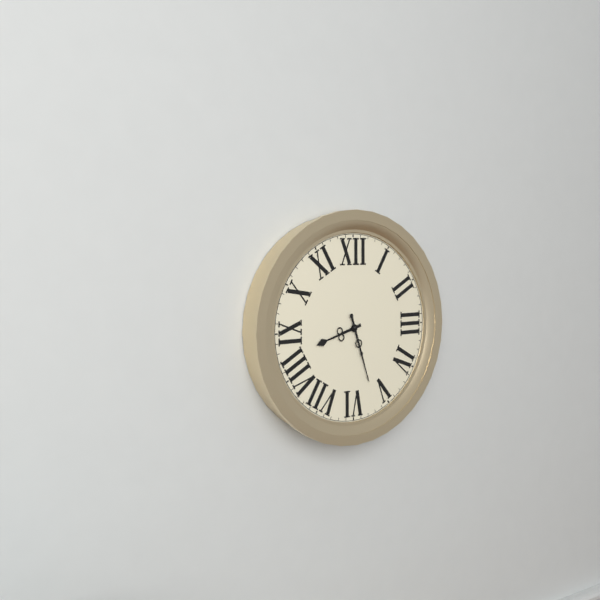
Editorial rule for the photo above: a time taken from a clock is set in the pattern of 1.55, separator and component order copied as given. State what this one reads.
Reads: 8.27
